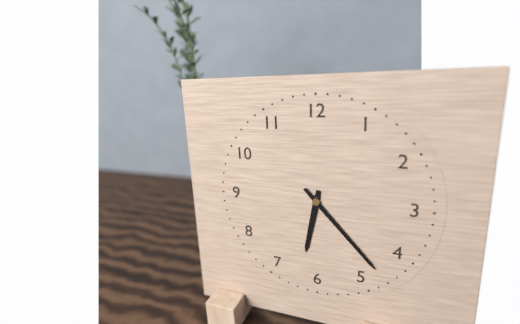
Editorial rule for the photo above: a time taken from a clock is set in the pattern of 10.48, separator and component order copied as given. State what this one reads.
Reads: 6.23
